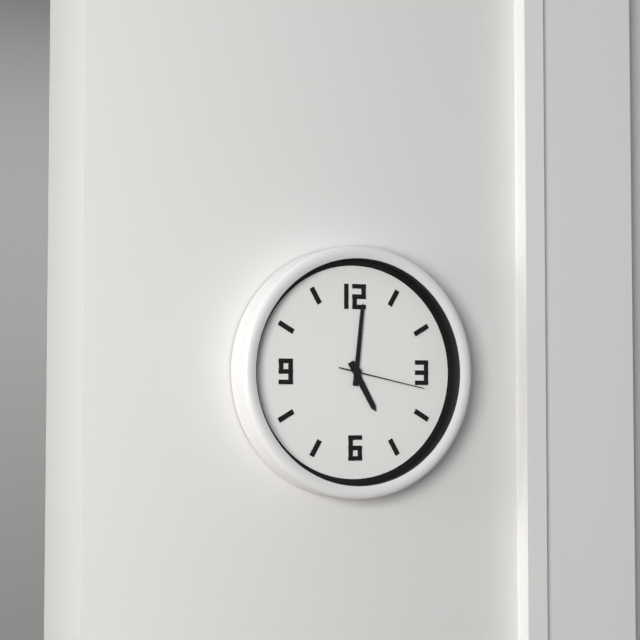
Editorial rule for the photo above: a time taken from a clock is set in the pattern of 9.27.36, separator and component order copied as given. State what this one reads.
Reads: 5.01.17
